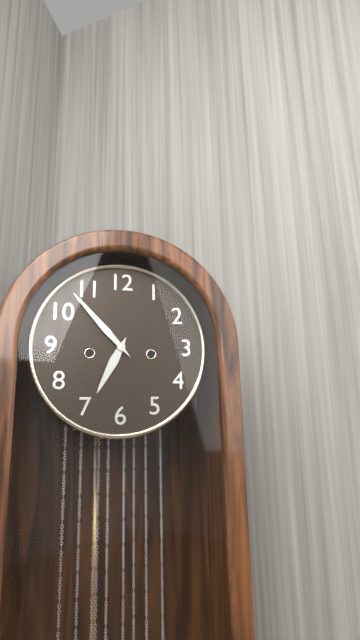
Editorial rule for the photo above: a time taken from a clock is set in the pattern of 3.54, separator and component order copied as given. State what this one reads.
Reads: 6.53
